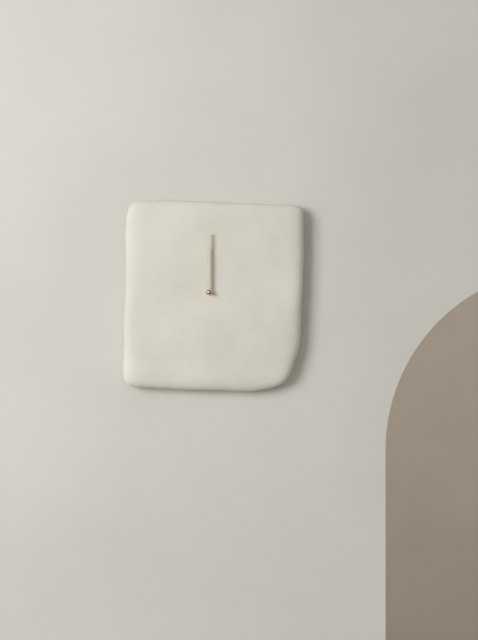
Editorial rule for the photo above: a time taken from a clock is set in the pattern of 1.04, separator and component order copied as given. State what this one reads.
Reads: 12.00
